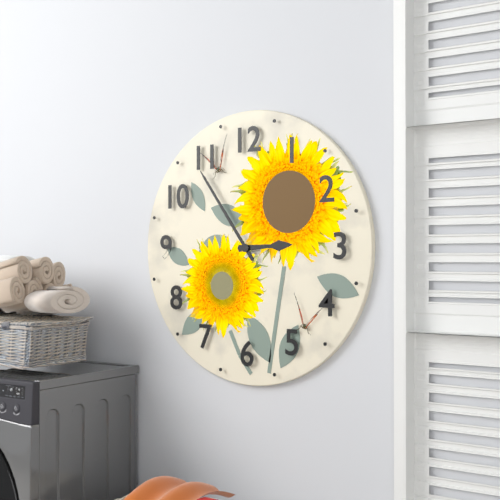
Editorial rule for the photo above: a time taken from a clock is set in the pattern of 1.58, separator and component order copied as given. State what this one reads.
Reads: 2.54
